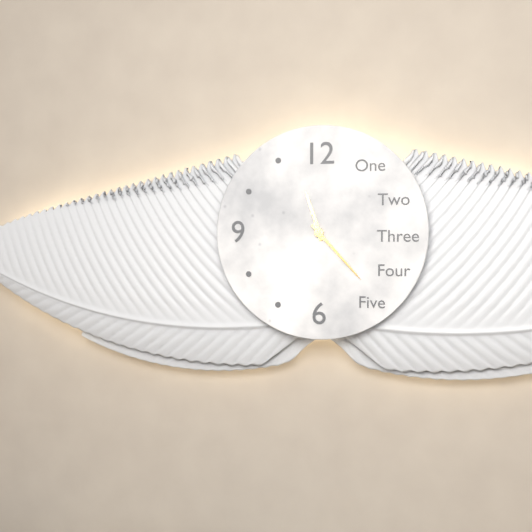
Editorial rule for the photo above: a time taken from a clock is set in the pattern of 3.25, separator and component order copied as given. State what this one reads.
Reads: 11.23
